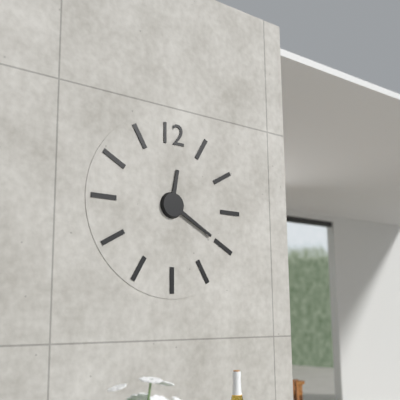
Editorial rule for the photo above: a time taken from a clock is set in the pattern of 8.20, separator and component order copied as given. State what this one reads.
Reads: 12.20
